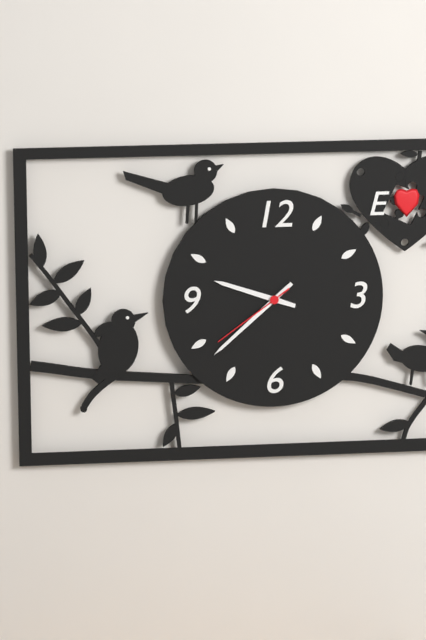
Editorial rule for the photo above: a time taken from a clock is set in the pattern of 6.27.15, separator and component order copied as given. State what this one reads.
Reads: 9.38.39
